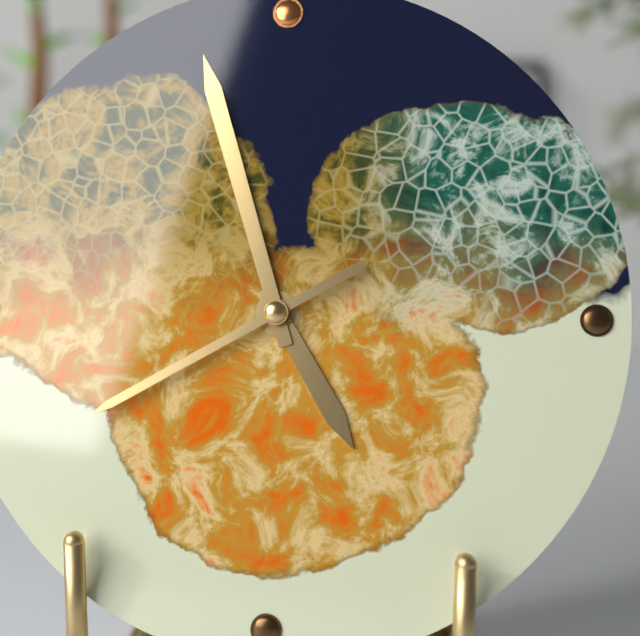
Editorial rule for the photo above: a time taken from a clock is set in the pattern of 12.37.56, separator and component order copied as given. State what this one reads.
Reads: 4.57.40
